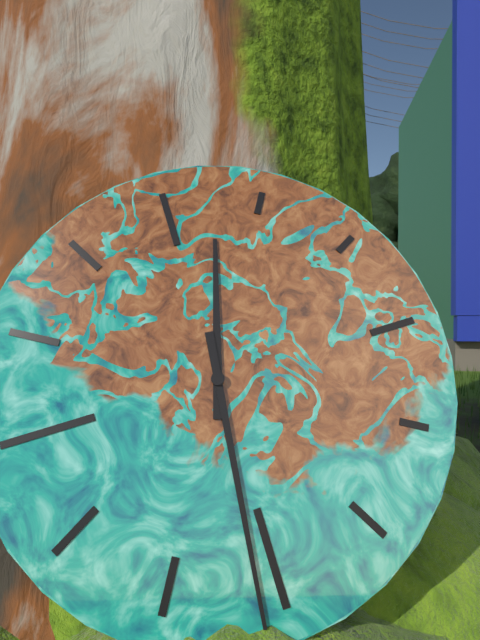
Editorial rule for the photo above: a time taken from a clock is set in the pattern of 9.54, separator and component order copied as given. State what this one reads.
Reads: 12.31
